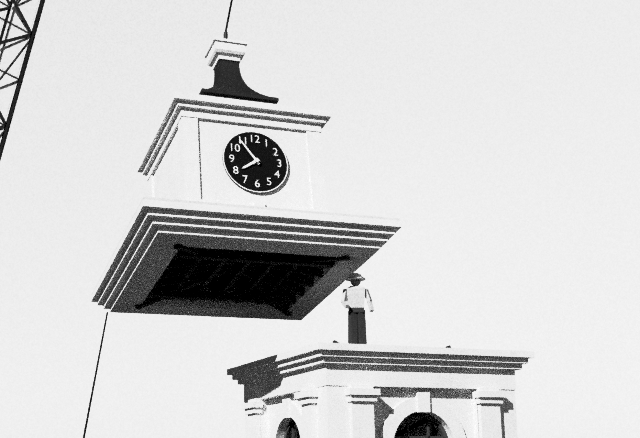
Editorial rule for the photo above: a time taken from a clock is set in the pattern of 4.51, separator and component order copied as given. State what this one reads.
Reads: 7.54
